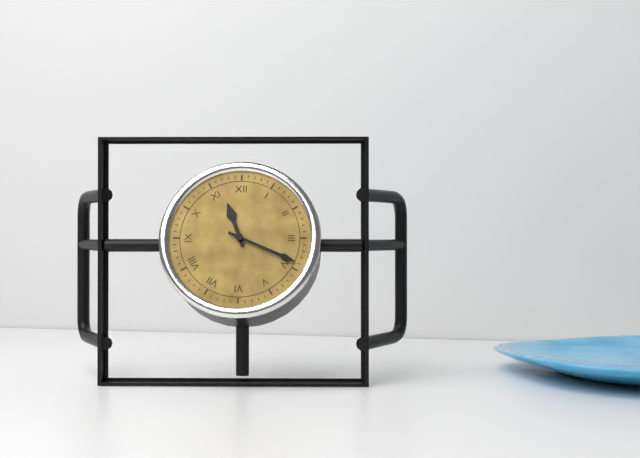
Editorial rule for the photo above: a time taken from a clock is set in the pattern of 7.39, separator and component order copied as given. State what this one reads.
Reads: 11.19
